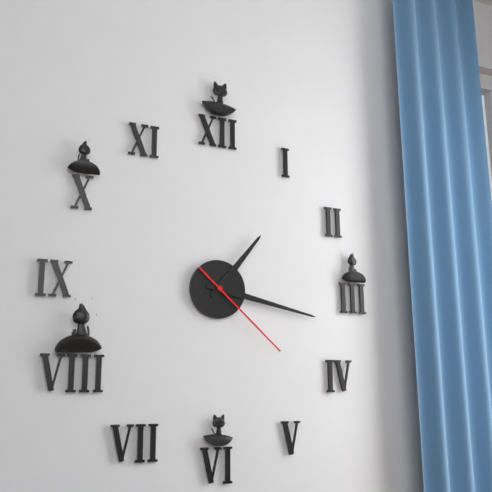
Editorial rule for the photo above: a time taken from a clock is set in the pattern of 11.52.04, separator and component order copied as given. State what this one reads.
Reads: 1.17.22
